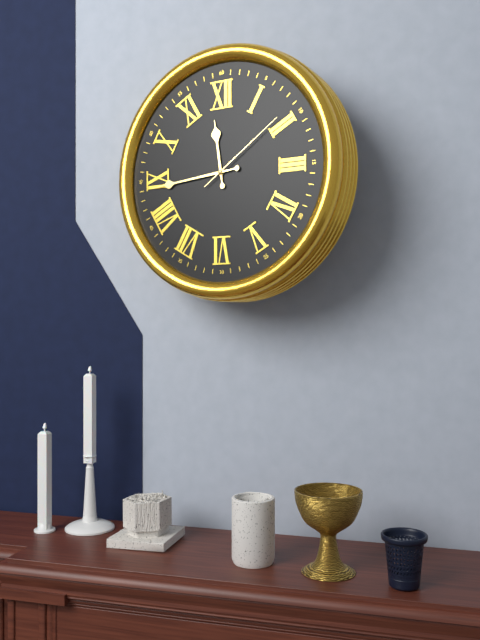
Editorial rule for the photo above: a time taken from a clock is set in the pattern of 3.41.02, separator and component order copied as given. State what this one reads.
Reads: 11.44.09
